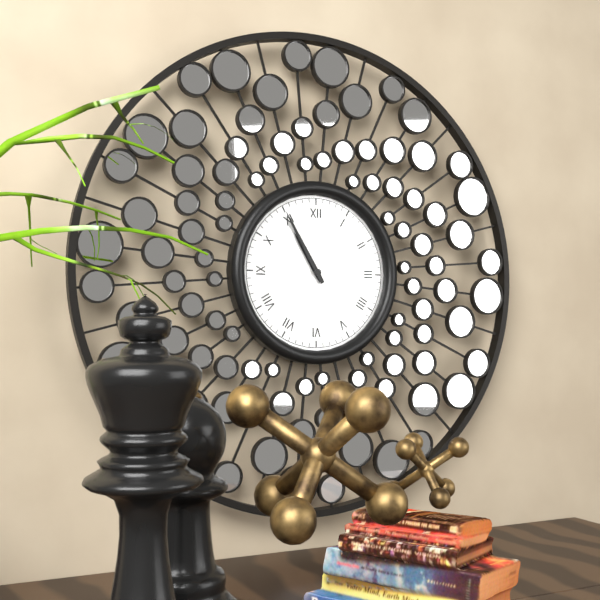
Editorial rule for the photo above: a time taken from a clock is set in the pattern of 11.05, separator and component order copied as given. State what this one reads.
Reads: 10.55
